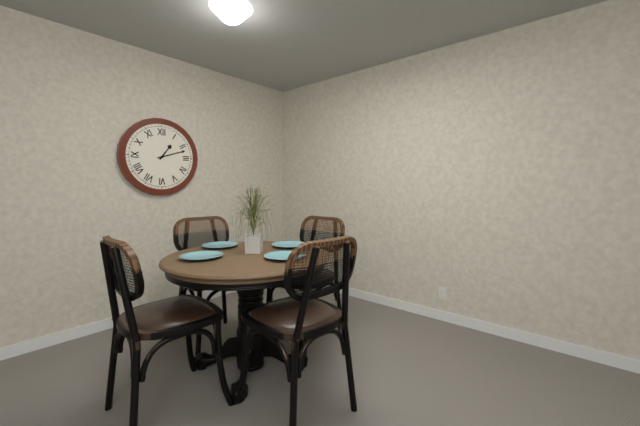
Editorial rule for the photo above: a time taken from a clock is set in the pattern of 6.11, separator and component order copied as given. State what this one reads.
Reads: 1.12
